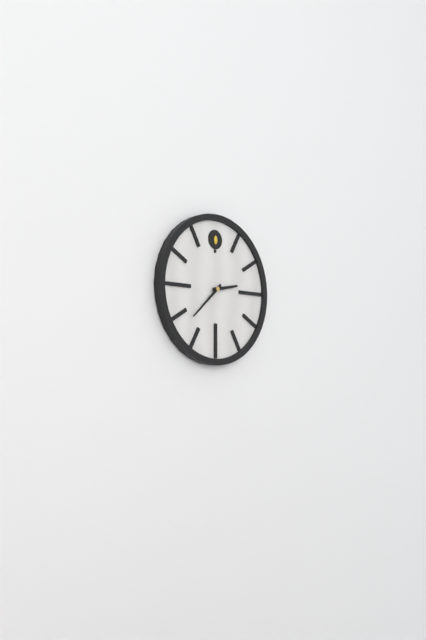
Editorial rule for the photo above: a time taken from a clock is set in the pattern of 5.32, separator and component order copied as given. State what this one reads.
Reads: 2.38
